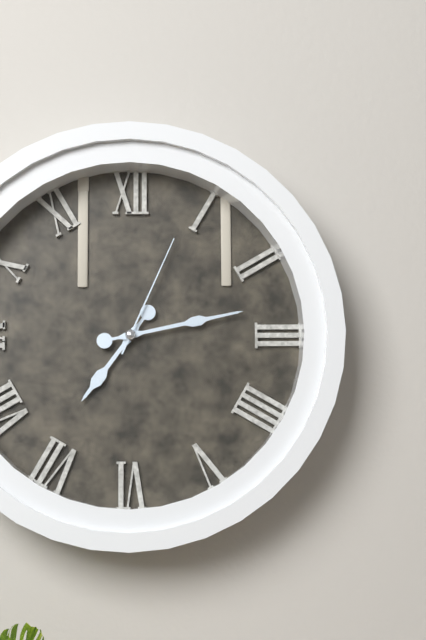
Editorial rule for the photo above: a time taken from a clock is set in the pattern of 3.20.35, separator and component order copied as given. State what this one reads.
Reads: 7.13.04
